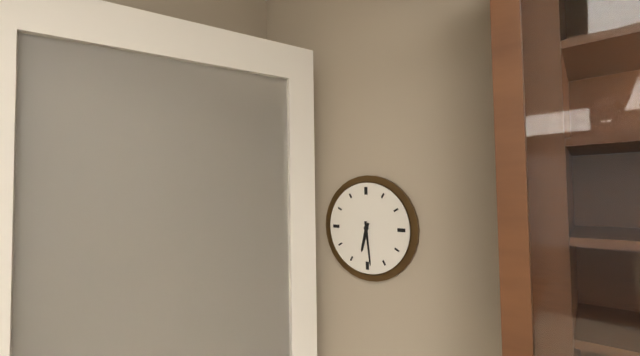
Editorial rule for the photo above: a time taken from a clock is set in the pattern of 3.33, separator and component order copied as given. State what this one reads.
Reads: 6.29
